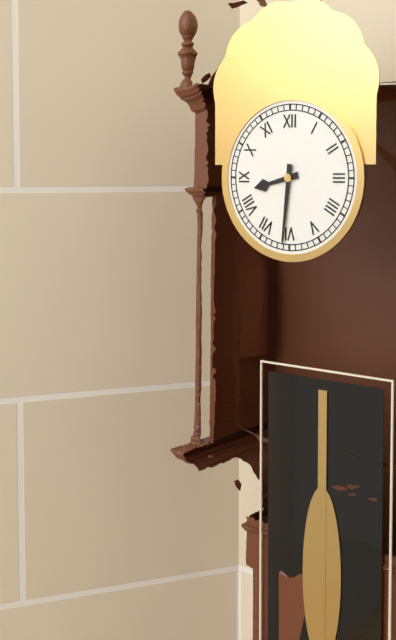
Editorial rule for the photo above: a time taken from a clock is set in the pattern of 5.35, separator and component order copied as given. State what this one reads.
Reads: 8.31
